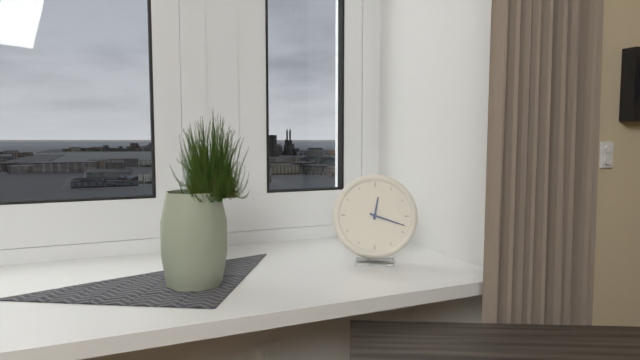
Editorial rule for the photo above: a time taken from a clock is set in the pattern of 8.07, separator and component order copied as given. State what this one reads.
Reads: 12.18
